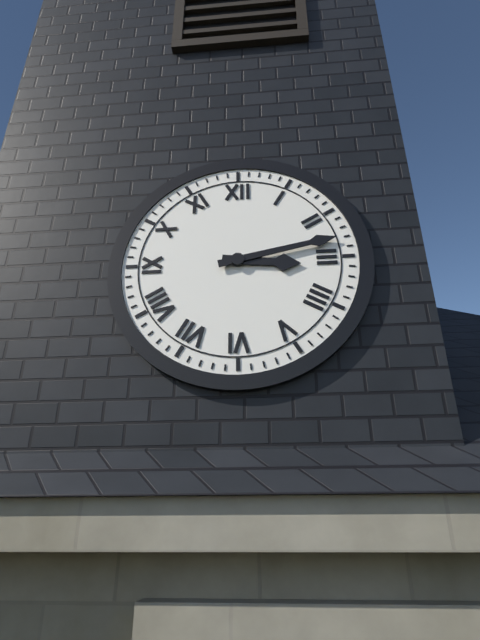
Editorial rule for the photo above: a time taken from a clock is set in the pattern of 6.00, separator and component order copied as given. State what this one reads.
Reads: 3.13
